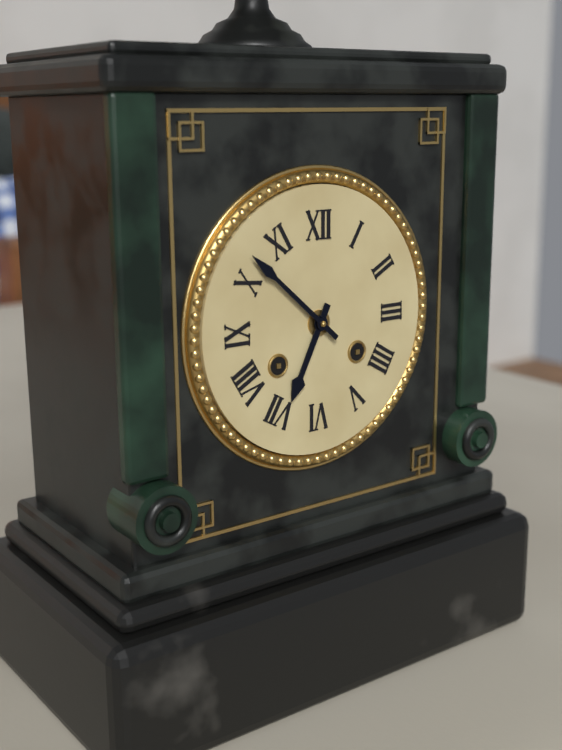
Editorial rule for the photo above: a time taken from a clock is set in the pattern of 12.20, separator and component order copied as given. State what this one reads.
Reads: 6.52
